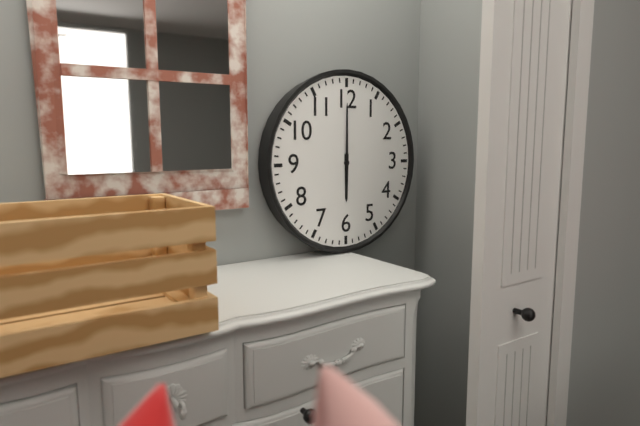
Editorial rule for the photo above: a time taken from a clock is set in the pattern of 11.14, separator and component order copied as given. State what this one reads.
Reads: 6.00
